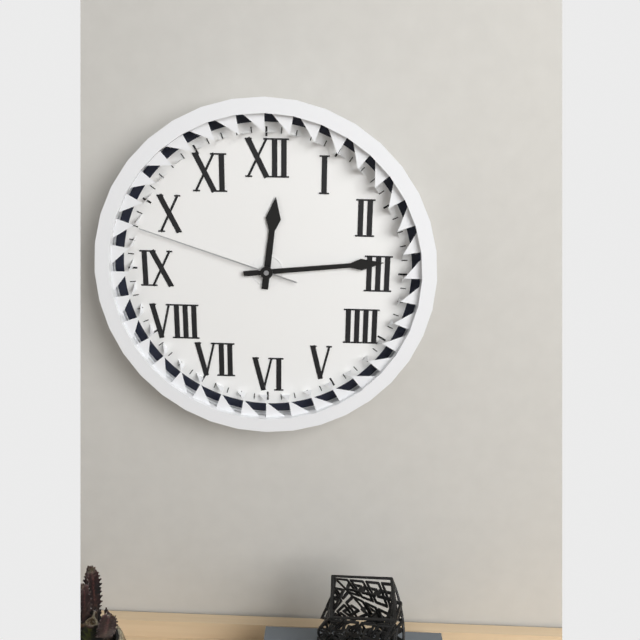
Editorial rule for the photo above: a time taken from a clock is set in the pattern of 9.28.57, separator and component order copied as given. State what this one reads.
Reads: 12.14.48
